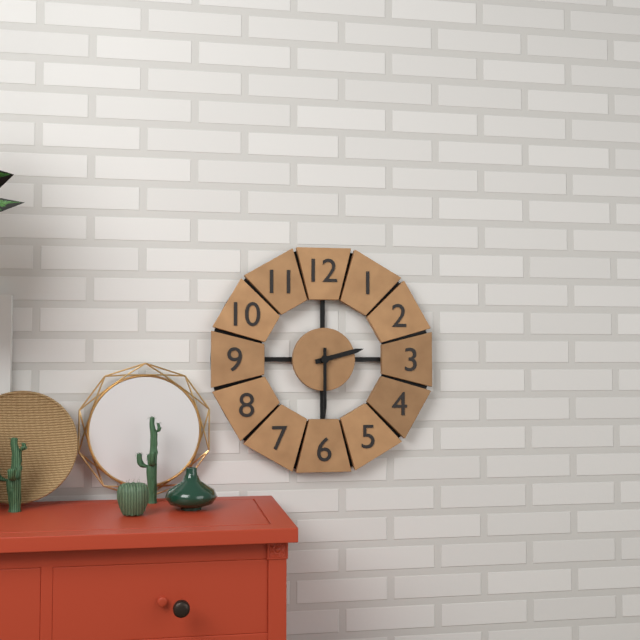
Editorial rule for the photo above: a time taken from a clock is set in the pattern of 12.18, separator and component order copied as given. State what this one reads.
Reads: 2.30
